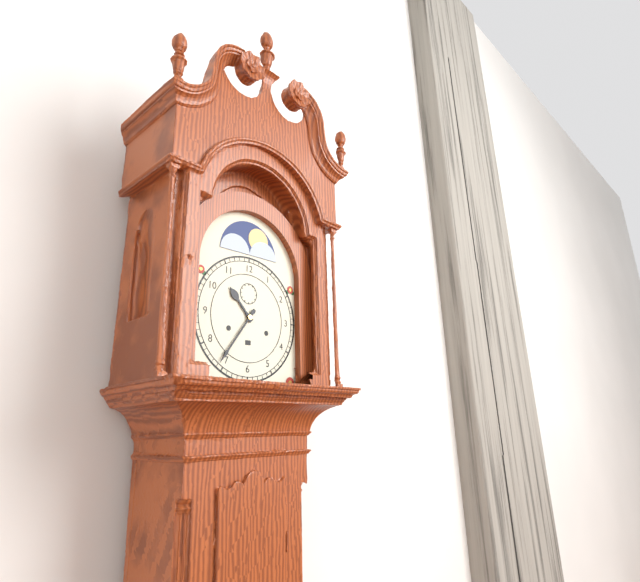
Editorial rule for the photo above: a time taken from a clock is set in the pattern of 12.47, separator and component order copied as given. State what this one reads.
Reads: 10.36
